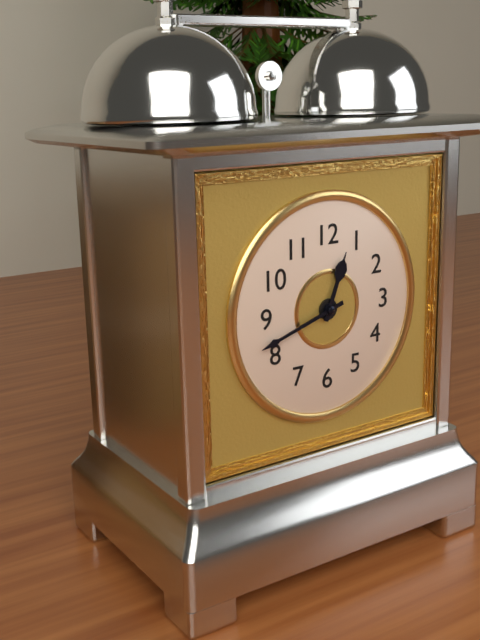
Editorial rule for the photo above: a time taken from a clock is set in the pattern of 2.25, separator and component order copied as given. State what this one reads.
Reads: 12.42
